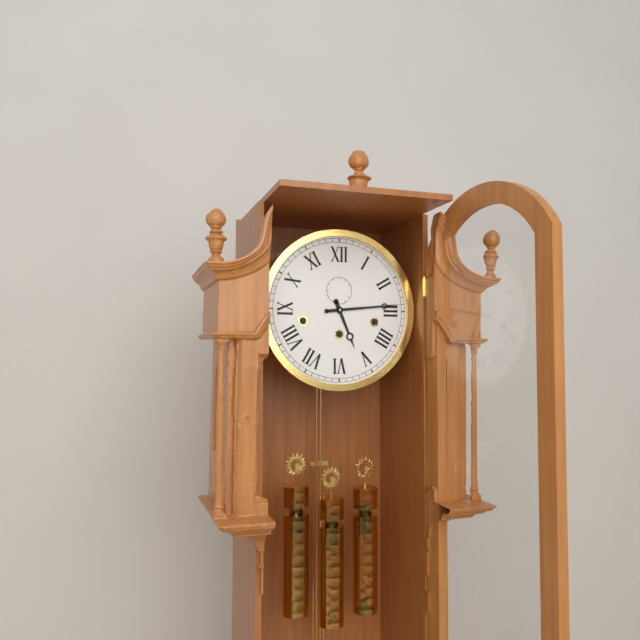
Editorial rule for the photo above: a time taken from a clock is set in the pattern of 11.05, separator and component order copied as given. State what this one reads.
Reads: 5.14
